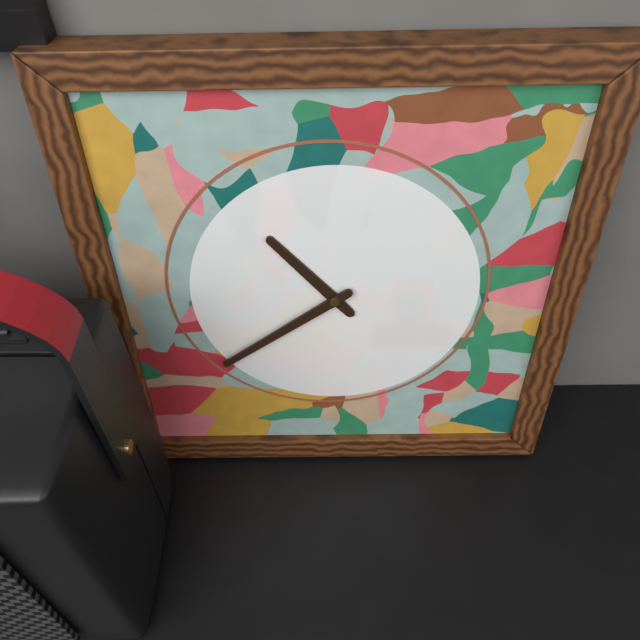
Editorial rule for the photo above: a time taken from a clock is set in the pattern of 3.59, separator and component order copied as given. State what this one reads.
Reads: 10.39
